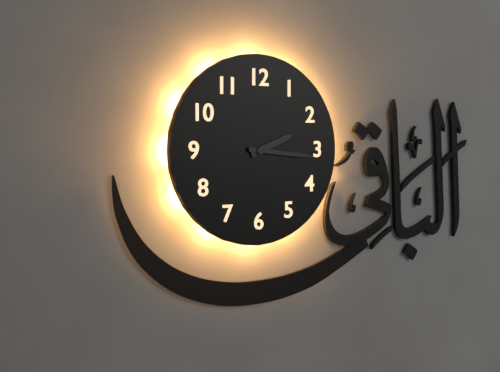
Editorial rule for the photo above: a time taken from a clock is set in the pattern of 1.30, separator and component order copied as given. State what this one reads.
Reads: 2.16
